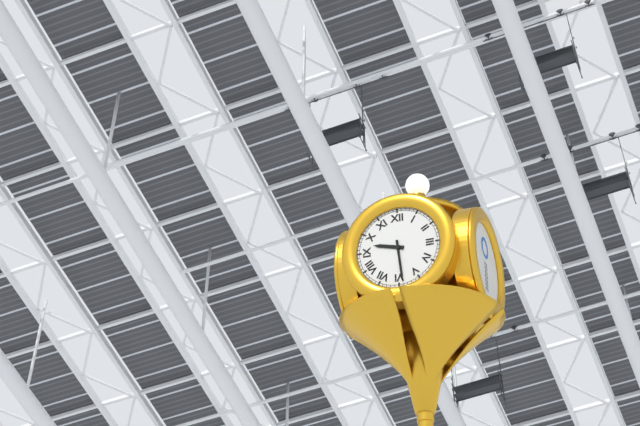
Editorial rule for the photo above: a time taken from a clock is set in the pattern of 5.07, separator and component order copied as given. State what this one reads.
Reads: 9.29
